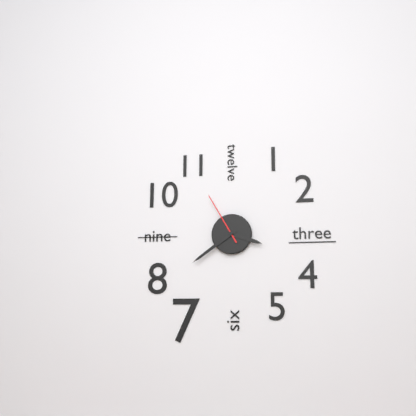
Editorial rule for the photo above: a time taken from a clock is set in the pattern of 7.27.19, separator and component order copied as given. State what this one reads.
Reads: 3.39.55
